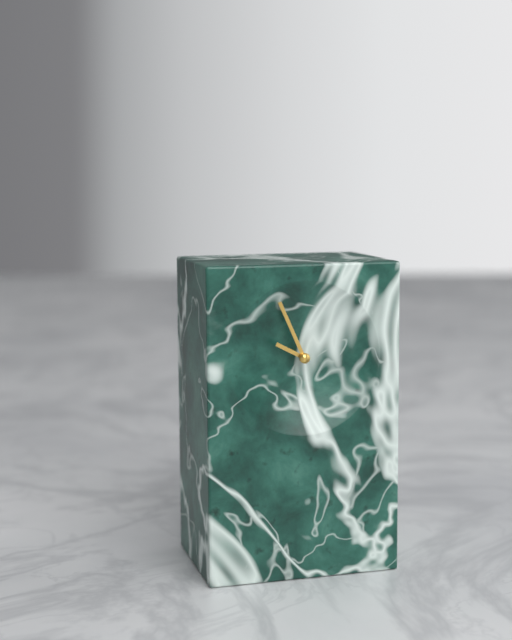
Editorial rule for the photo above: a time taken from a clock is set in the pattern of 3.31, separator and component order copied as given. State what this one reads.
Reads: 9.56
